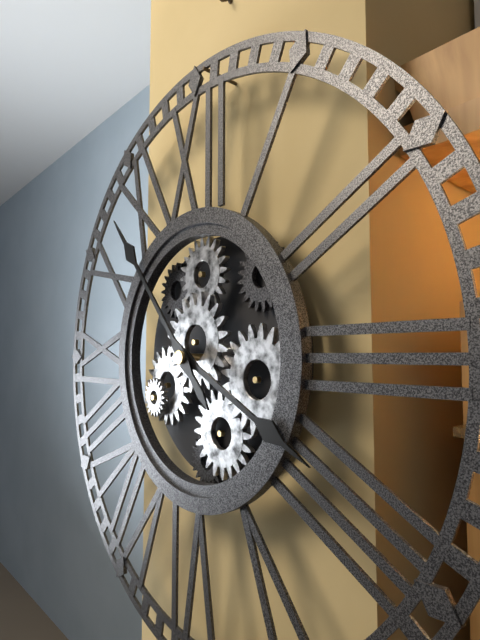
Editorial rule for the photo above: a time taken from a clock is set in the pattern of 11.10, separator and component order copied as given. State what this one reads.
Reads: 3.53
